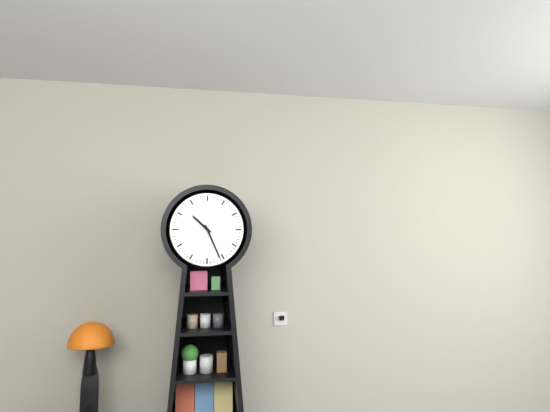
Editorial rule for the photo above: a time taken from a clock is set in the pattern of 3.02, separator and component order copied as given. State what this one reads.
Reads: 10.26
